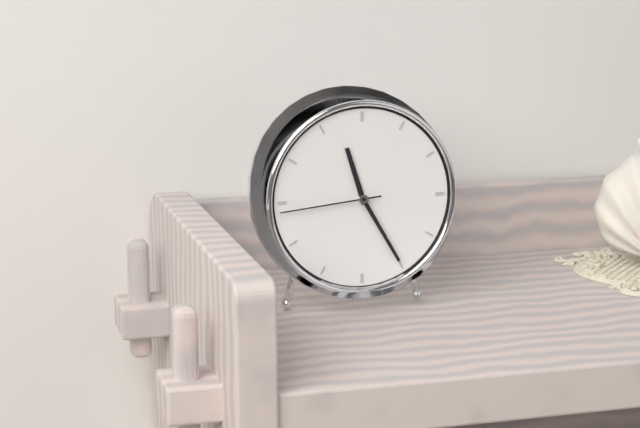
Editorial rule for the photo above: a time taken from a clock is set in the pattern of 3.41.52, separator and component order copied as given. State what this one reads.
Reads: 11.25.44
